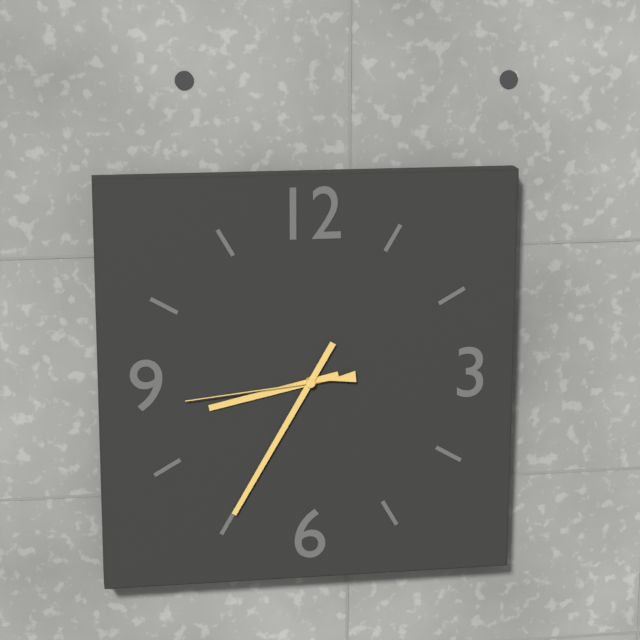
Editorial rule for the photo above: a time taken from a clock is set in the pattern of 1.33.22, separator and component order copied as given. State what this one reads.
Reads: 8.35.44
